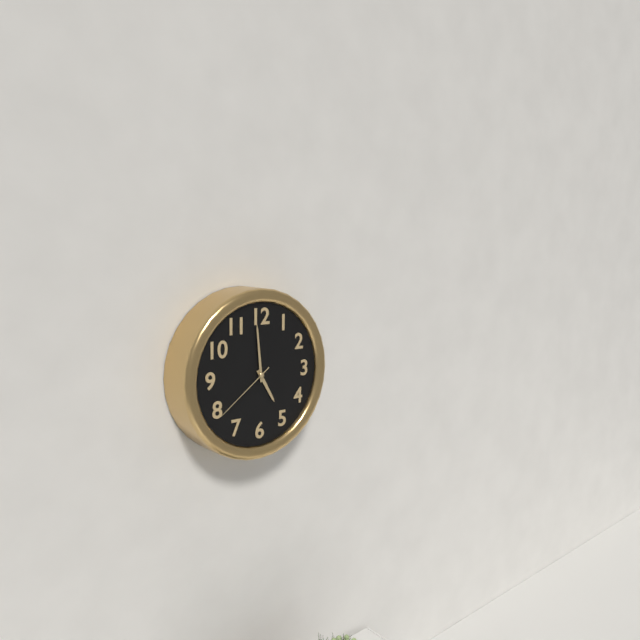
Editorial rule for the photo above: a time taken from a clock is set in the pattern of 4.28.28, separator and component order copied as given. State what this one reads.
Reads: 4.59.39
